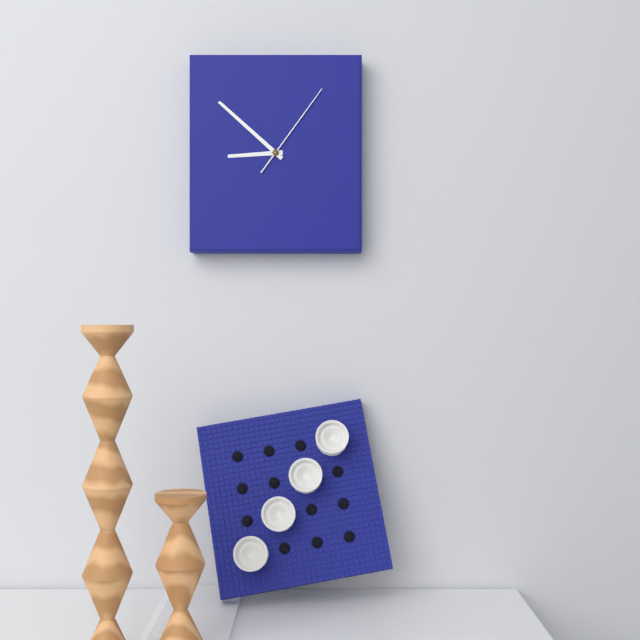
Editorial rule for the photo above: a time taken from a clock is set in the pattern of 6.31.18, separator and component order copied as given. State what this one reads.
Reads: 8.52.06
